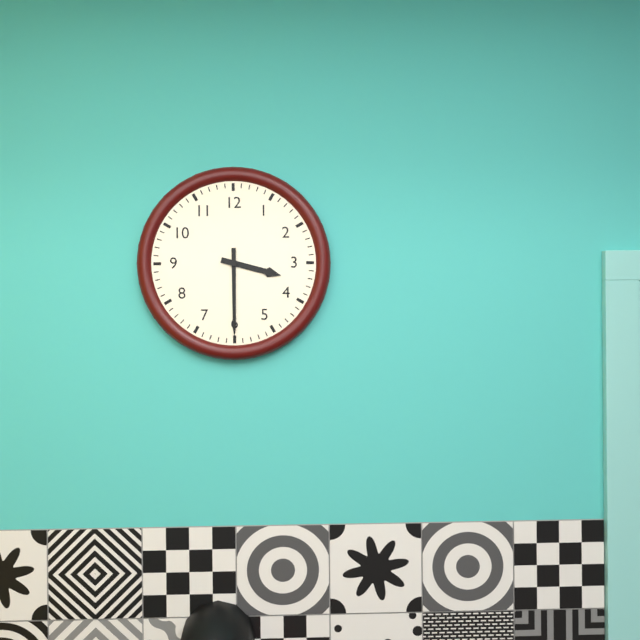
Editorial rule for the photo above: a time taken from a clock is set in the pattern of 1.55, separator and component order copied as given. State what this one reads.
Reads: 3.30
